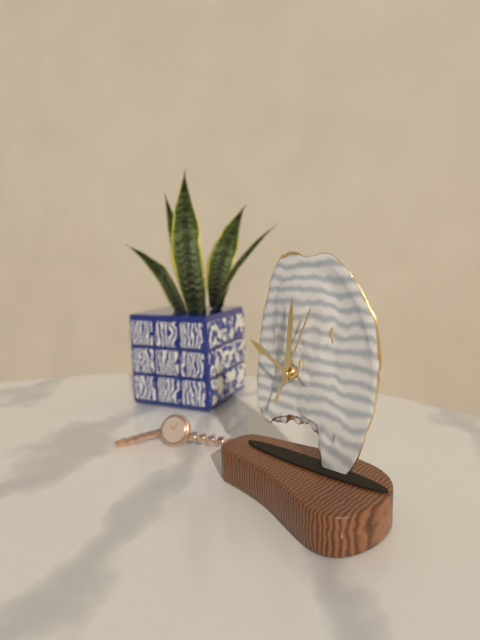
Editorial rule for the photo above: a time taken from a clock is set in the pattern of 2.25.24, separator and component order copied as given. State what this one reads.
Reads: 10.01.04
